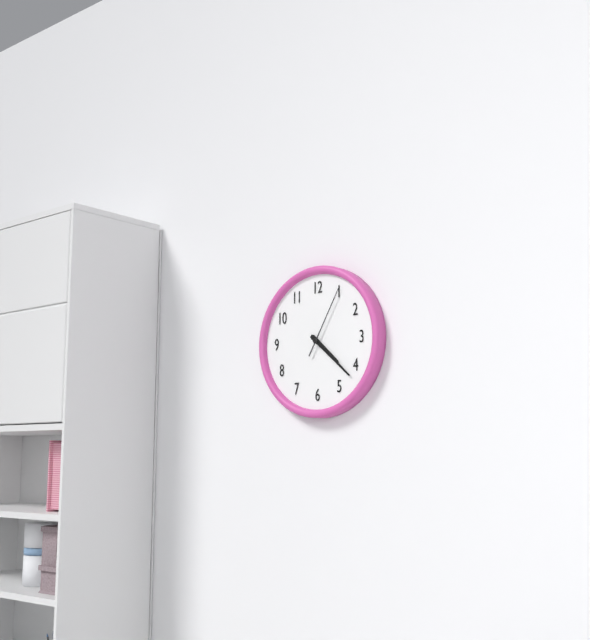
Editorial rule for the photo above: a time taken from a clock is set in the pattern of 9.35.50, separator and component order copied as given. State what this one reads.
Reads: 4.22.05
